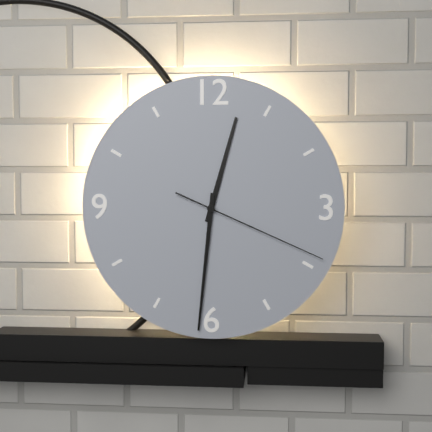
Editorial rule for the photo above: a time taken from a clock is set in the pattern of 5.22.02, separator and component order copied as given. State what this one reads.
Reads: 12.31.19
